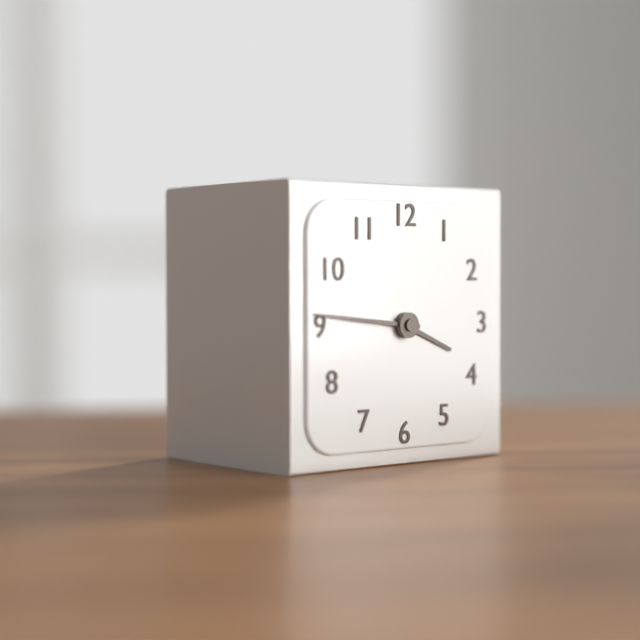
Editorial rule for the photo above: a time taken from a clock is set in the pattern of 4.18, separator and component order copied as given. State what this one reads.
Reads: 3.46
